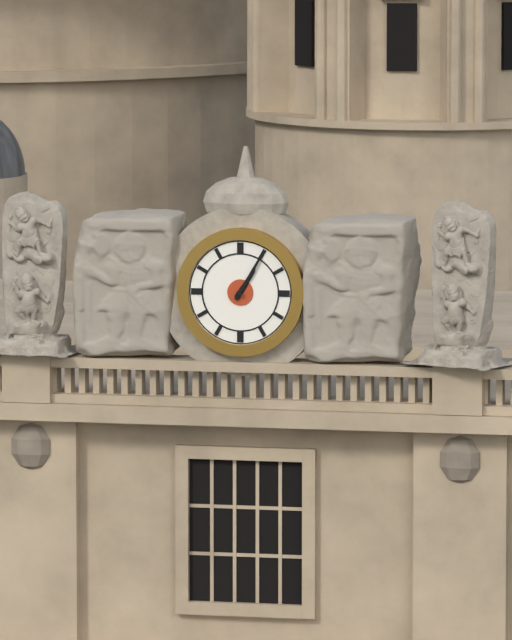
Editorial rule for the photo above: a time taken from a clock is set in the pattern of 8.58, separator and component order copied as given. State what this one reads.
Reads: 1.05
